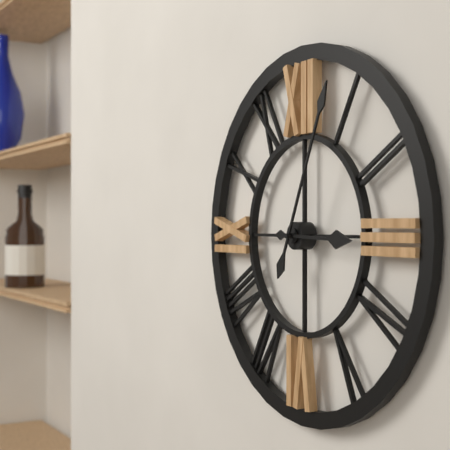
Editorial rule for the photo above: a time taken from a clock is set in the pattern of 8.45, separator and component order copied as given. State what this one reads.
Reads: 3.04
